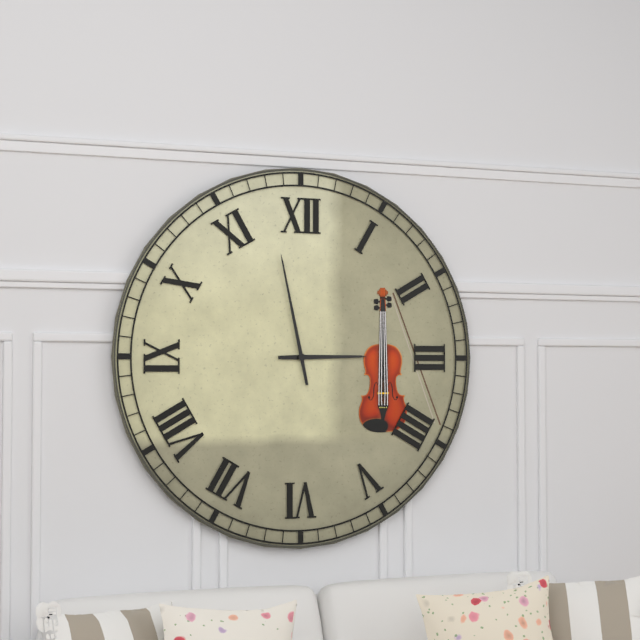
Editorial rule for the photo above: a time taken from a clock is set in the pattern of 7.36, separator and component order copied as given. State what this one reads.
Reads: 2.58
